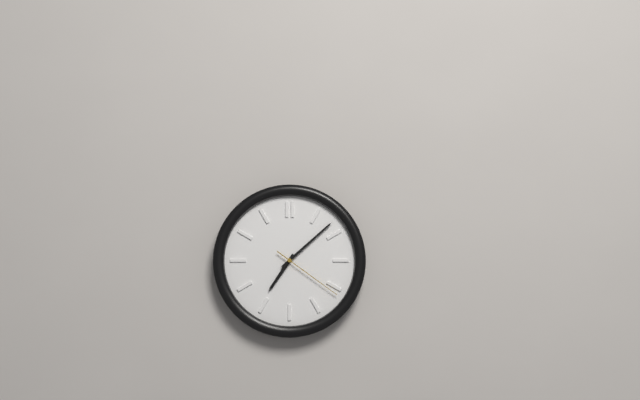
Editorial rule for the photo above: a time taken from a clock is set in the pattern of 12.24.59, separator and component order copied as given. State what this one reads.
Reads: 7.08.21
